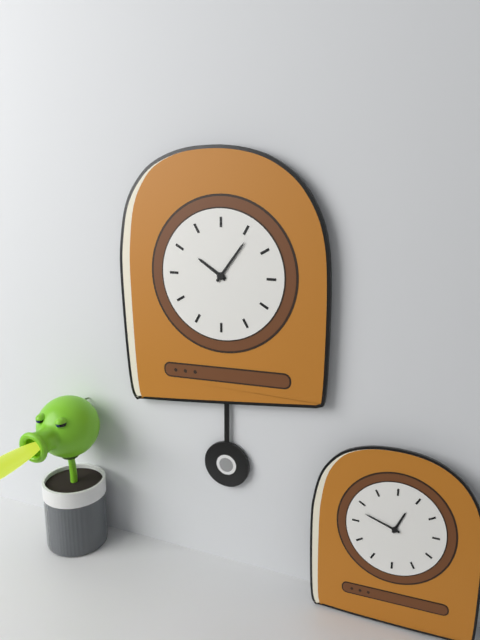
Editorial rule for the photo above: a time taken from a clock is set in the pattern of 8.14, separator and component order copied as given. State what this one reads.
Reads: 10.06
